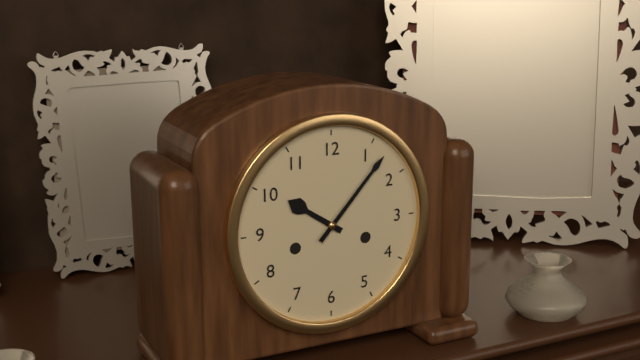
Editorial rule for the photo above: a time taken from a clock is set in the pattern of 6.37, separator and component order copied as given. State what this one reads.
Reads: 10.07
